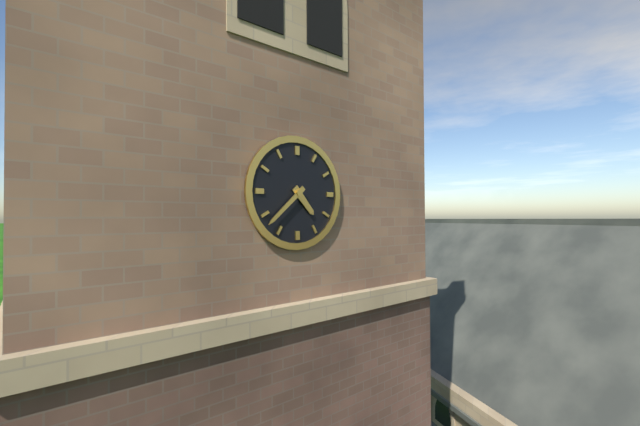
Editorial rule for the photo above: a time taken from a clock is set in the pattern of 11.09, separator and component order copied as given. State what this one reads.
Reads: 4.38
